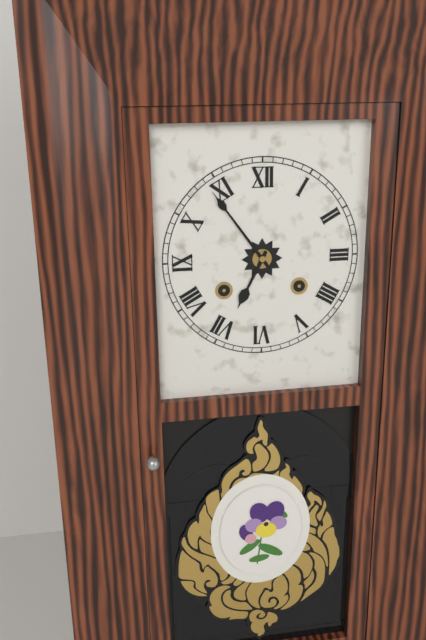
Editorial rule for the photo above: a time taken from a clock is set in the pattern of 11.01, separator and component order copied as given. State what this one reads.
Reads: 6.54
